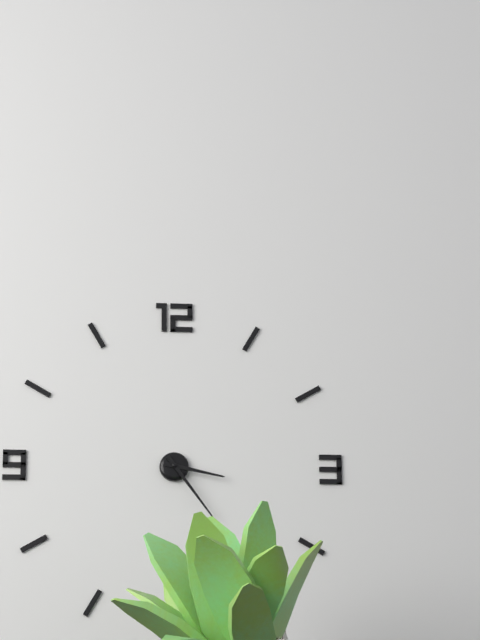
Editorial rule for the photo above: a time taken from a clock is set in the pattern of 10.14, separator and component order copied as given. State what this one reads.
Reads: 3.24
